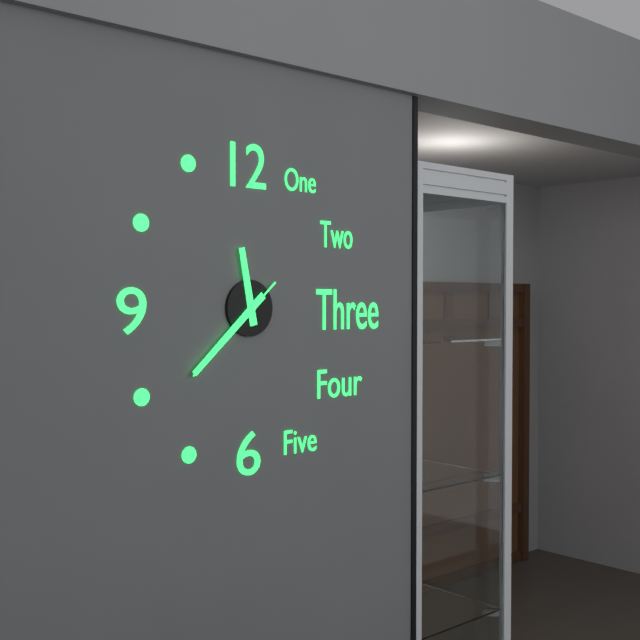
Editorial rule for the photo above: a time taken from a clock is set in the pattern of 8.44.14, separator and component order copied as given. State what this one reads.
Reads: 11.38.38
